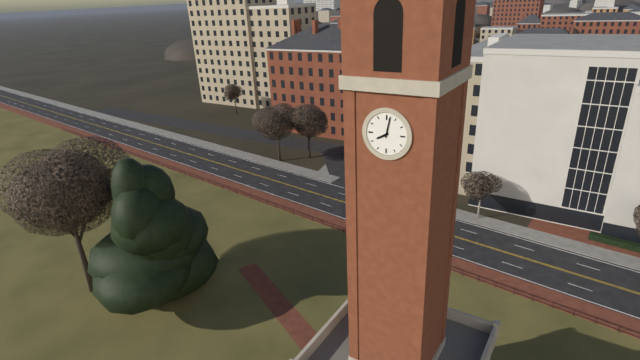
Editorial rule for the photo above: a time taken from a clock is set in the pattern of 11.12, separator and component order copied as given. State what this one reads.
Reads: 8.02
